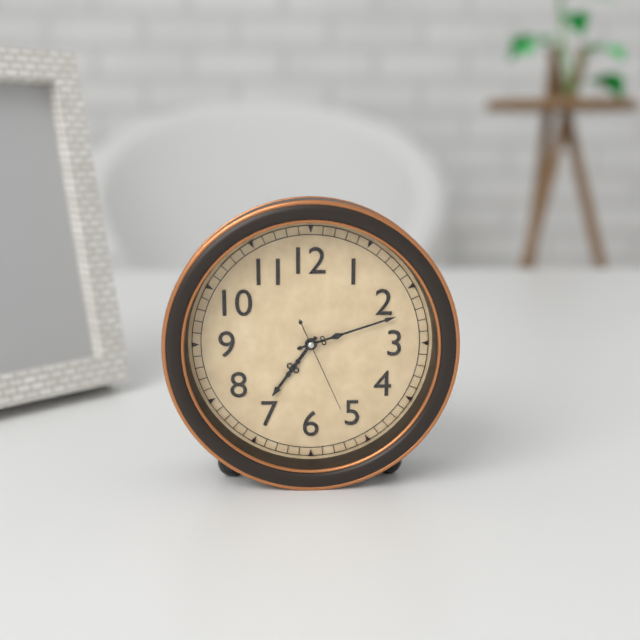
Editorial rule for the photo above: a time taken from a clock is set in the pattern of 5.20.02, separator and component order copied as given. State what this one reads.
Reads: 7.12.26
